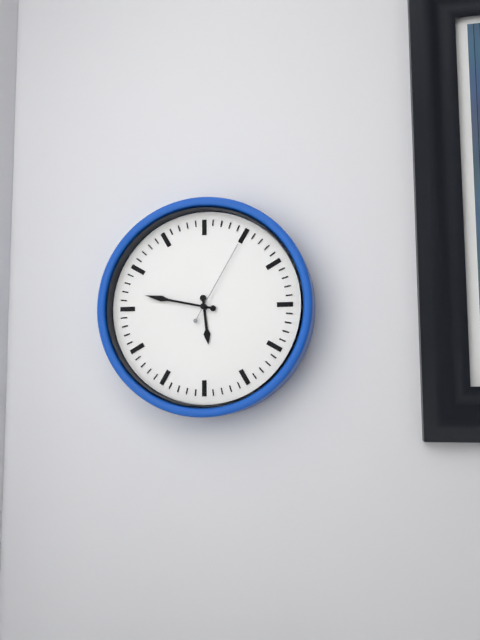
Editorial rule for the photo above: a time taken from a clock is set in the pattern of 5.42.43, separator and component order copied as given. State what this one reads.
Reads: 5.47.05
